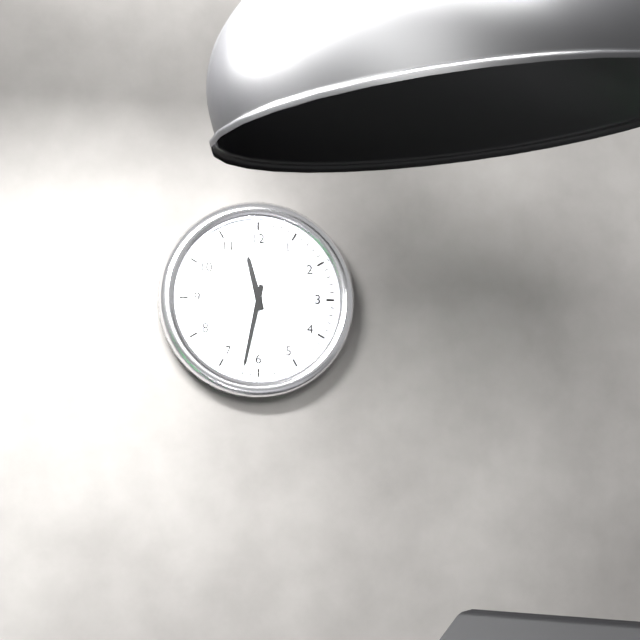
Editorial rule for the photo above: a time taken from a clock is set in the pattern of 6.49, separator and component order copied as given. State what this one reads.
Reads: 11.32
